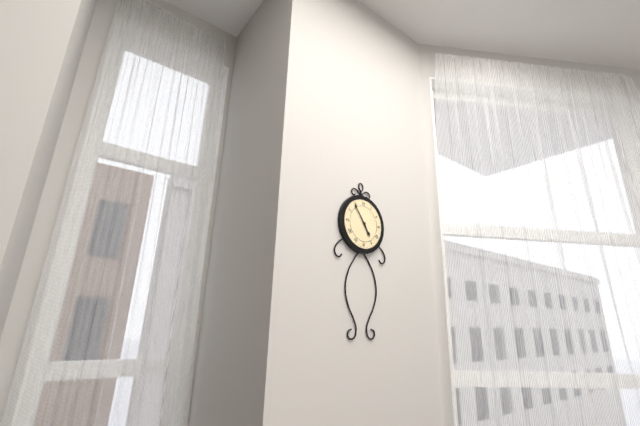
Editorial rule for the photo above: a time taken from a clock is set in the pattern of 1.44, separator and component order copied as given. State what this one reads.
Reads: 4.54
